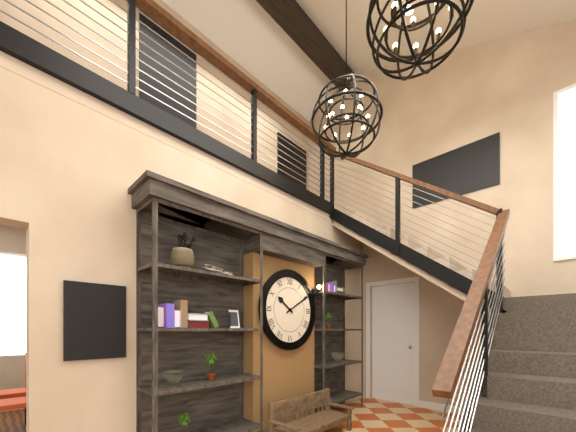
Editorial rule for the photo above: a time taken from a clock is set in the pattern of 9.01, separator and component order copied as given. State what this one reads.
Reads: 10.10
